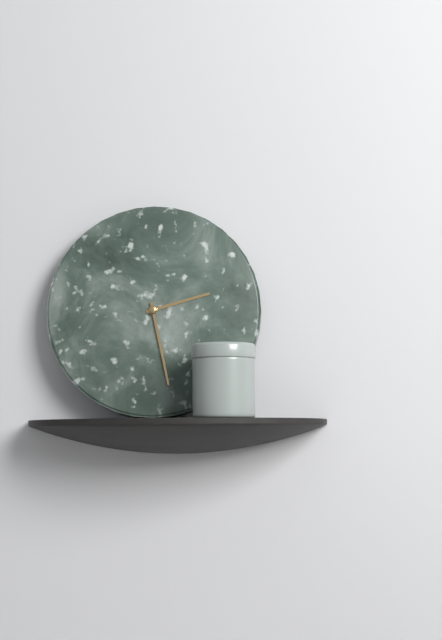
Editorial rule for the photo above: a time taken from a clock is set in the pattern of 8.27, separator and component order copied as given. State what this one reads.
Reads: 2.28
